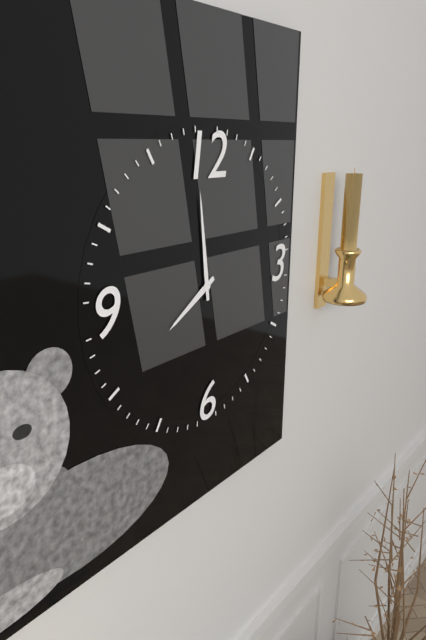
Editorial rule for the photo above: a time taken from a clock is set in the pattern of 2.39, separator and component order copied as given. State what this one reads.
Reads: 7.59
